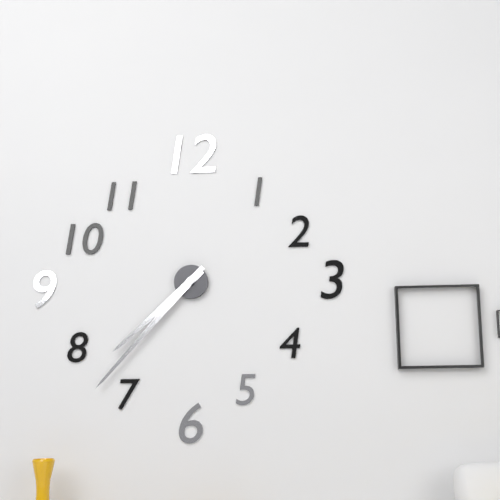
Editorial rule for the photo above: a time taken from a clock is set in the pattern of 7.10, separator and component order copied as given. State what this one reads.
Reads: 7.37
